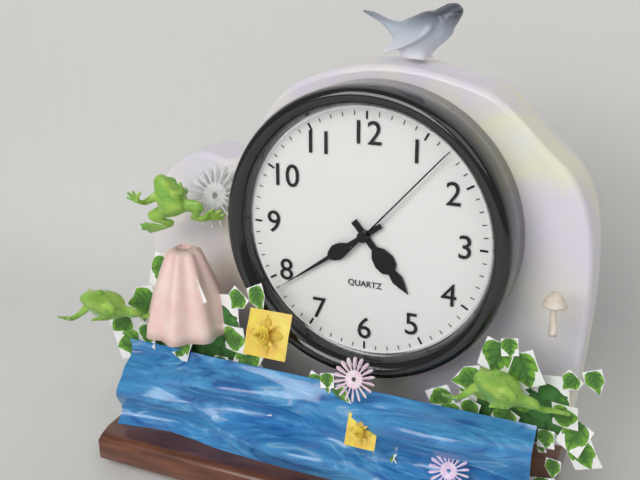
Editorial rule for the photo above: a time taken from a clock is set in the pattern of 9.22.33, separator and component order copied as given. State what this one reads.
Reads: 4.39.07
